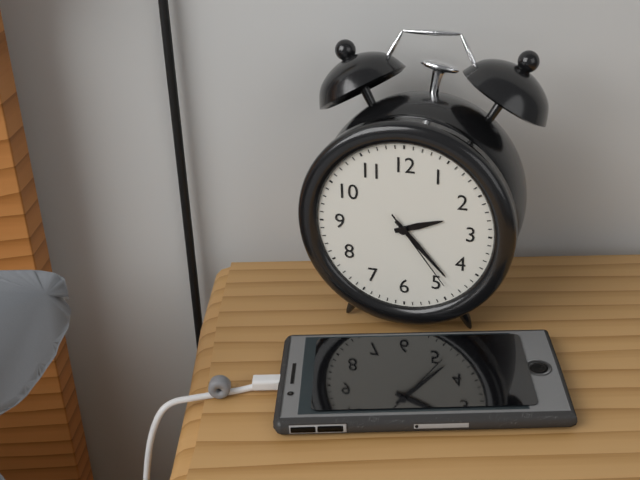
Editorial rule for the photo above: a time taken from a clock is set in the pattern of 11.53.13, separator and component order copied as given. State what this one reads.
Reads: 2.23.24
